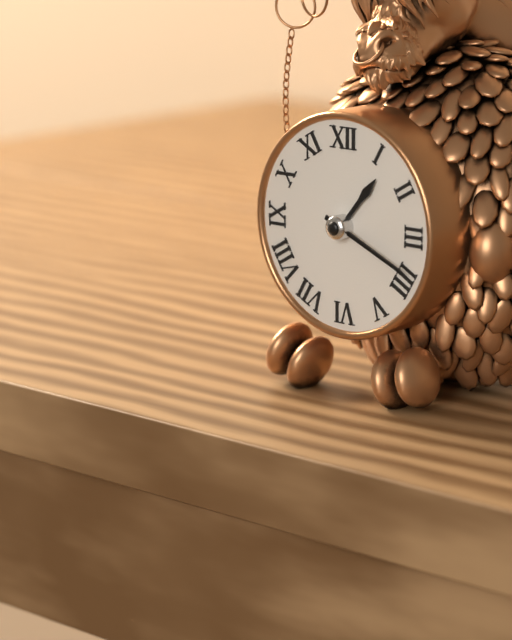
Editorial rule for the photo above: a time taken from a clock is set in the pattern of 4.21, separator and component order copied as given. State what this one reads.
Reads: 1.19
